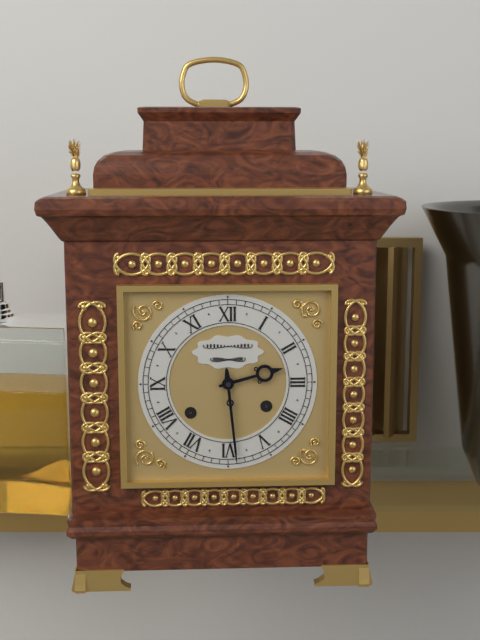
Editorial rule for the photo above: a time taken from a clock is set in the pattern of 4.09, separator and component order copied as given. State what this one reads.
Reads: 2.29
